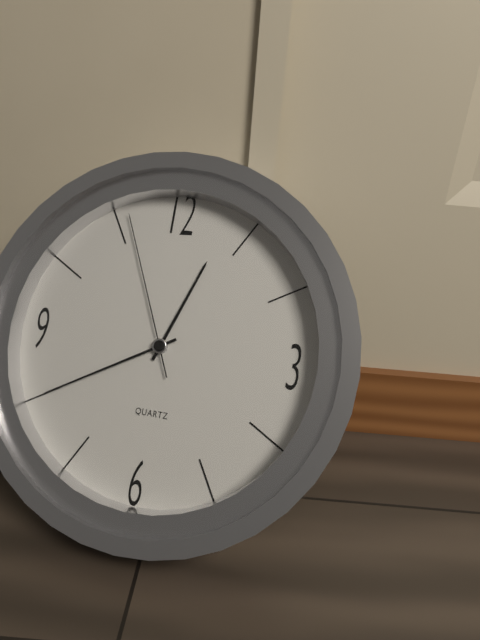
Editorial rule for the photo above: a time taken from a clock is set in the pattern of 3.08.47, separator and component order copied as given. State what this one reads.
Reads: 12.40.56
